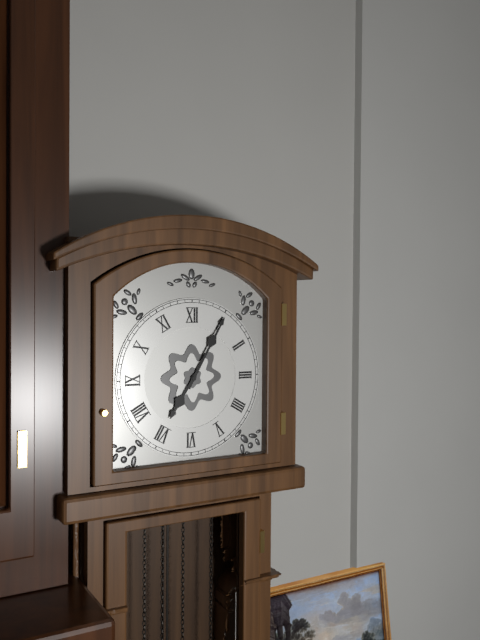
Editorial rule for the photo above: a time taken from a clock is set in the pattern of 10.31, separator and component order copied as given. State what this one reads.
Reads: 7.05
